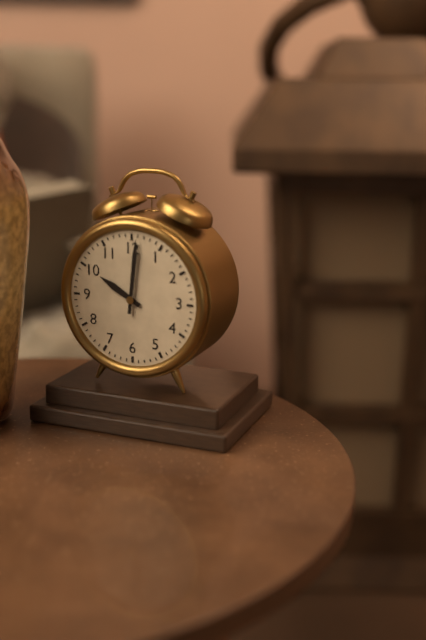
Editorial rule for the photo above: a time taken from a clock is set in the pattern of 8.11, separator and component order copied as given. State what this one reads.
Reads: 10.01
